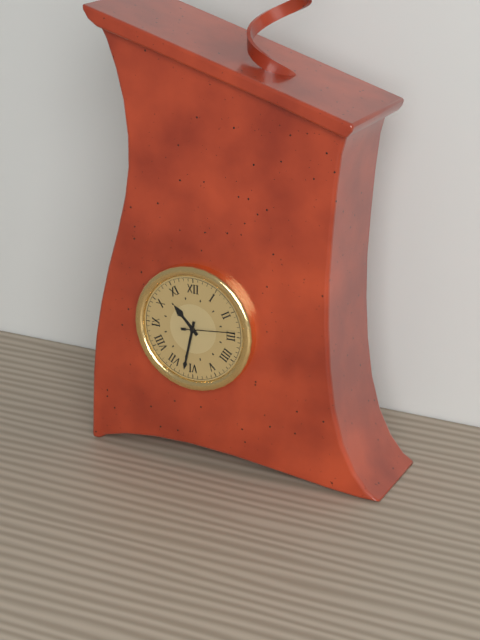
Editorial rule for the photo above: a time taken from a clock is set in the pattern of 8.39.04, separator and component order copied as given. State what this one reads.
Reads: 10.32.14
